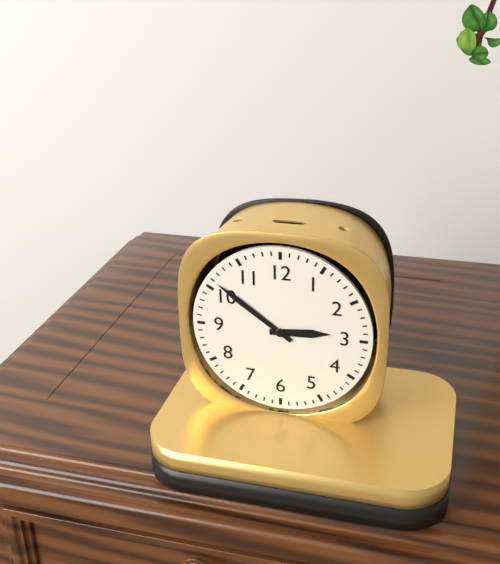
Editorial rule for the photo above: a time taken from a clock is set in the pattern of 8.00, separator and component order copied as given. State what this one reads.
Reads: 2.51
